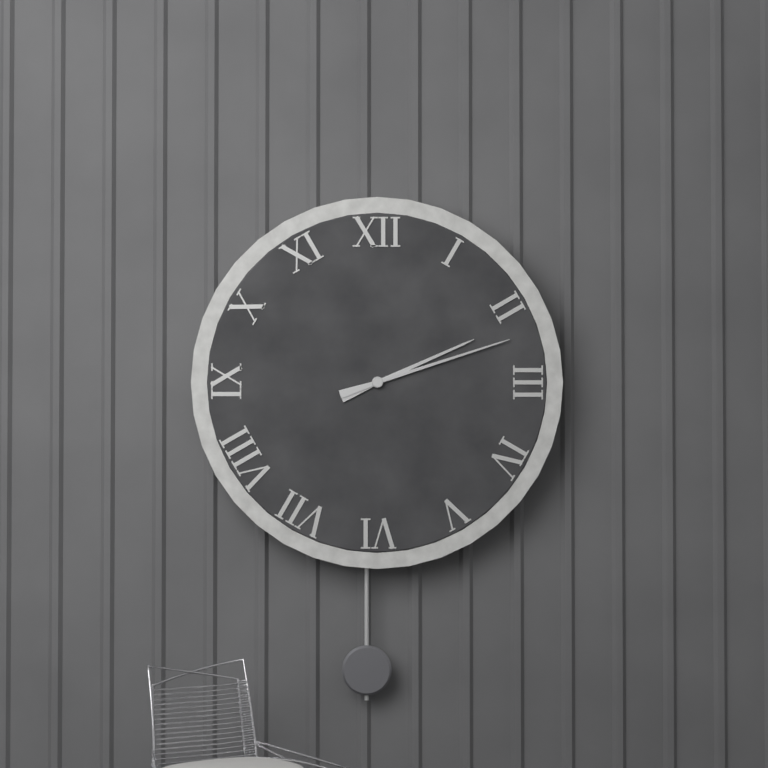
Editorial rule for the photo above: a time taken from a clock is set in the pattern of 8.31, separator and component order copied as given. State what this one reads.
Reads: 2.12
